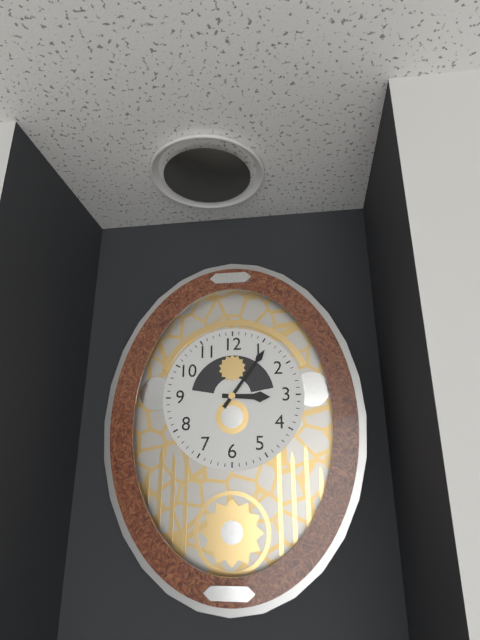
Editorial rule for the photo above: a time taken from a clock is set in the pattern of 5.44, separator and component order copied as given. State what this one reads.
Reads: 3.06
